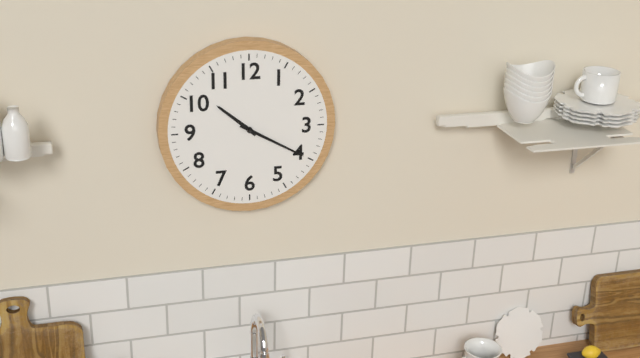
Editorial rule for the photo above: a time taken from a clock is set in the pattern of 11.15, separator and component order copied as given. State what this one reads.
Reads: 10.20
